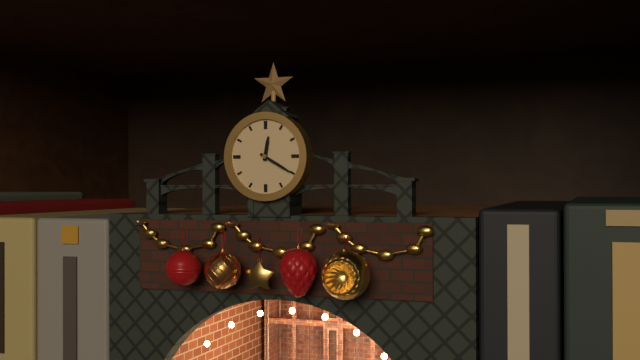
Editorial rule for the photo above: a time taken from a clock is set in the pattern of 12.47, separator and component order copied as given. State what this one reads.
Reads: 12.20
